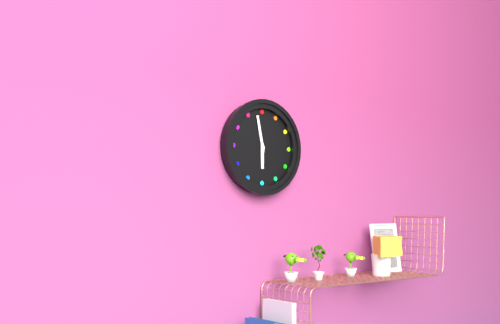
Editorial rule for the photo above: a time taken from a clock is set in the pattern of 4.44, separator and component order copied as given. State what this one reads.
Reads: 5.58
